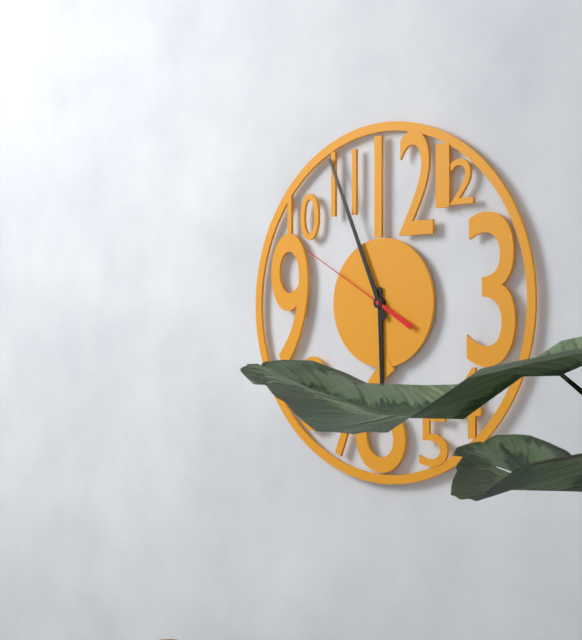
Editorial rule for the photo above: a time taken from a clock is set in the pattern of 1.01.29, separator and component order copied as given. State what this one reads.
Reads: 5.56.50
